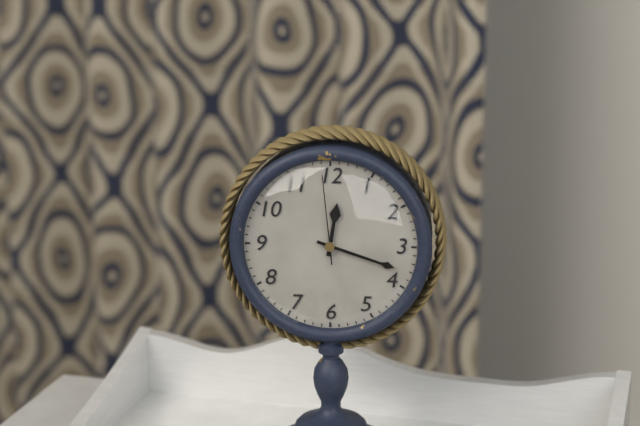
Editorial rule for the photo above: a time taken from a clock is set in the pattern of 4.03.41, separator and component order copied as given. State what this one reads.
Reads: 12.18.59
